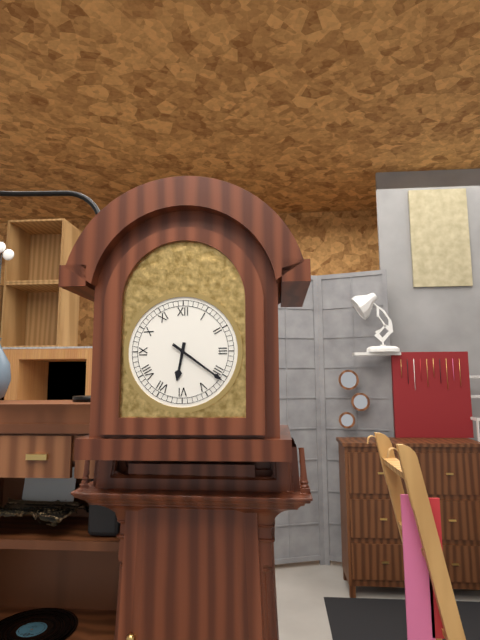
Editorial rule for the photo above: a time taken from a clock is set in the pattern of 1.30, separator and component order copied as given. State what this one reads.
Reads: 6.21
